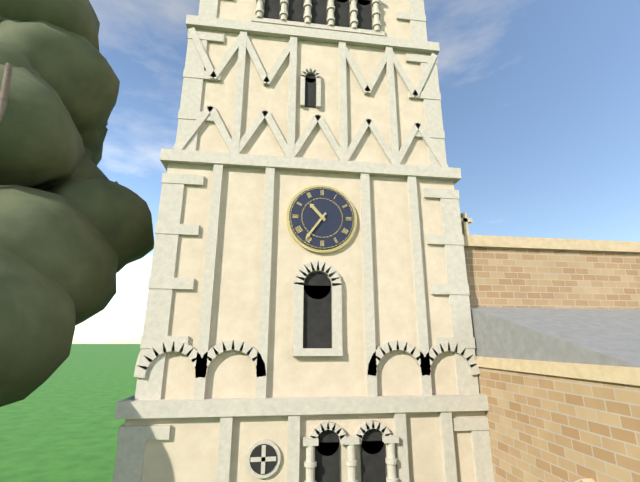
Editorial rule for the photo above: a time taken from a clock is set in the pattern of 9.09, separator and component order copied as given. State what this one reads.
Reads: 10.36
